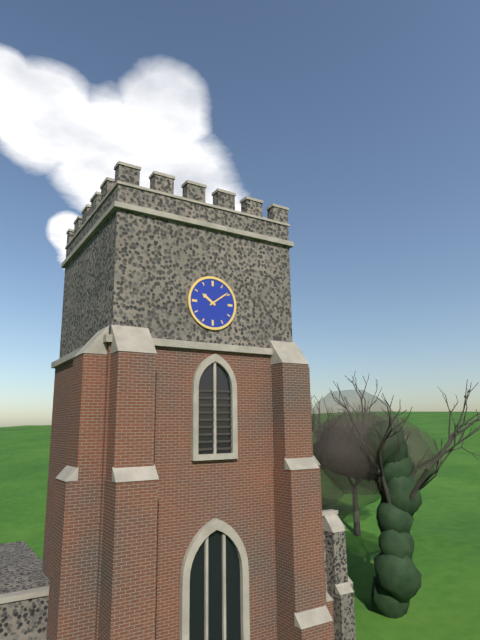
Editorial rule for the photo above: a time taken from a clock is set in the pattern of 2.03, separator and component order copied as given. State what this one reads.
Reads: 10.09
